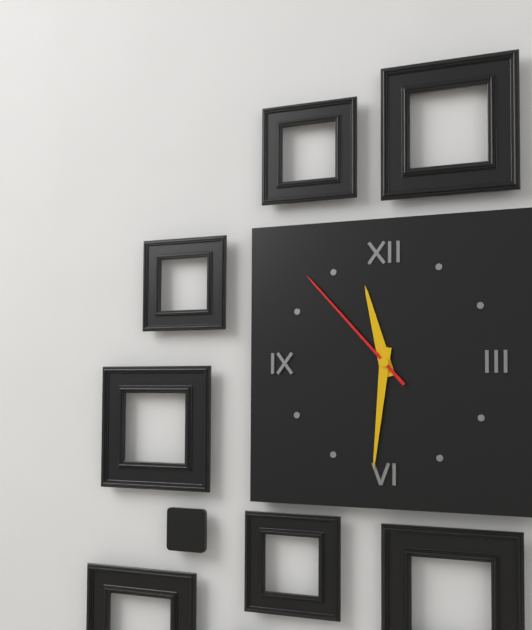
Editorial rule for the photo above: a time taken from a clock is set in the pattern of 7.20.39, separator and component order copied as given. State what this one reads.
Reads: 11.31.53
